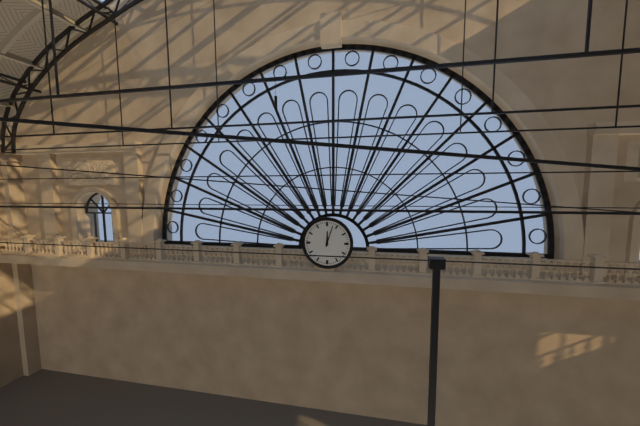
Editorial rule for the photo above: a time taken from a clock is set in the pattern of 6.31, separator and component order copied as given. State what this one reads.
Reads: 12.03
